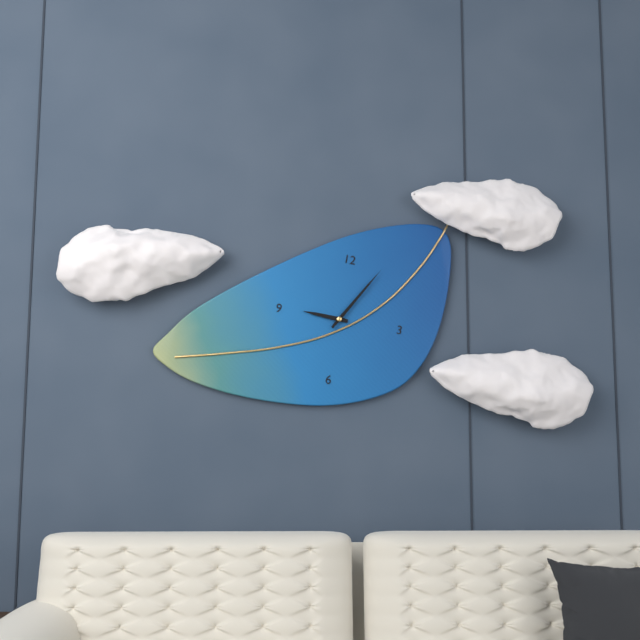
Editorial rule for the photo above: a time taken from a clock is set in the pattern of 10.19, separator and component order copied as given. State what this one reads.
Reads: 9.05
